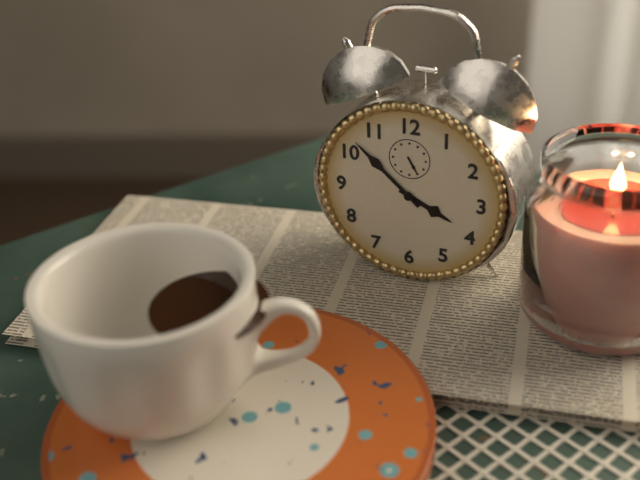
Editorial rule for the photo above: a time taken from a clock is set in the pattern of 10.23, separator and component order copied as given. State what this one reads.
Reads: 3.52
